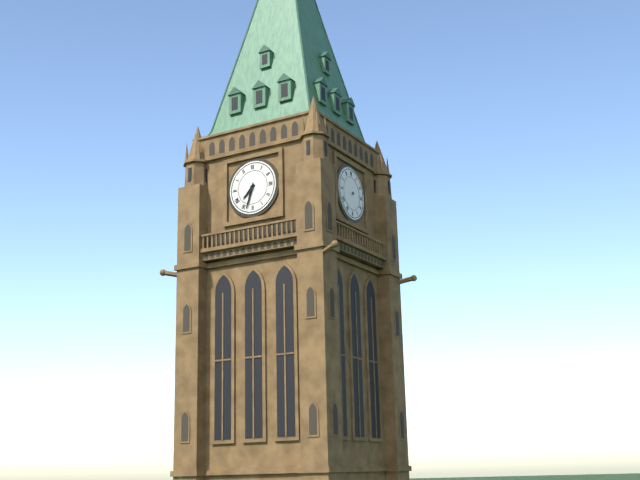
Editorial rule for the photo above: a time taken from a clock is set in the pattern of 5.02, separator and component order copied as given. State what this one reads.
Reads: 7.33
